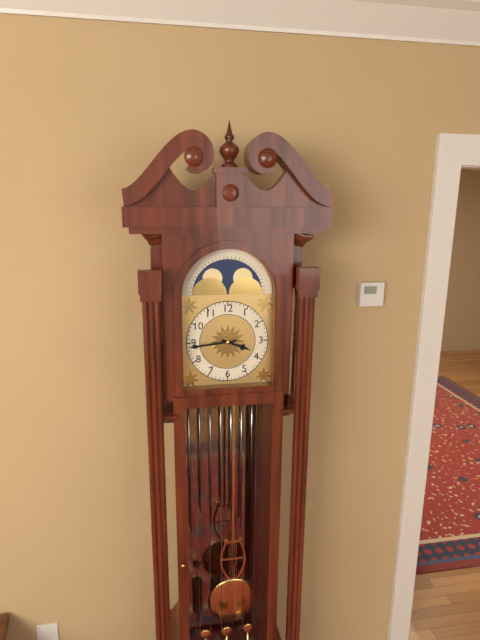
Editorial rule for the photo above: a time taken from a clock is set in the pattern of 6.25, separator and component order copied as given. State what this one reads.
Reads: 3.44
